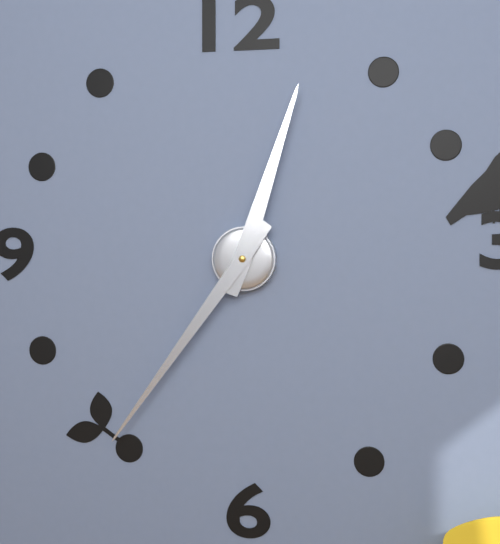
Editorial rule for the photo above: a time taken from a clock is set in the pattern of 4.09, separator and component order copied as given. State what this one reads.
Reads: 12.36
